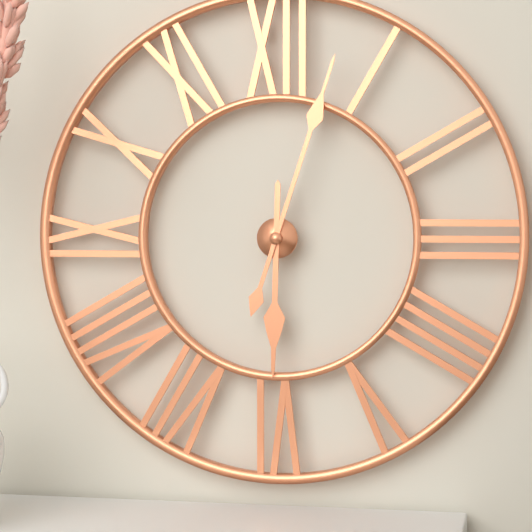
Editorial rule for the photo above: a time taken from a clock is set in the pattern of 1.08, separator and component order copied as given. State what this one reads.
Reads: 6.03
